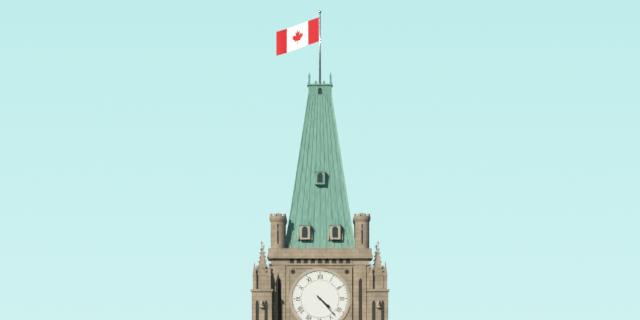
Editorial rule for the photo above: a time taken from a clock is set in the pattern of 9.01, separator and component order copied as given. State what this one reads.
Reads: 4.23
